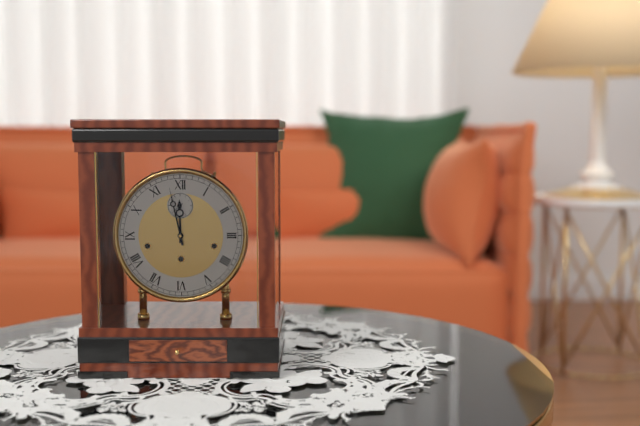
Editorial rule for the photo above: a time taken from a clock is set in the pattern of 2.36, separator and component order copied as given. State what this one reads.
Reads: 11.58
